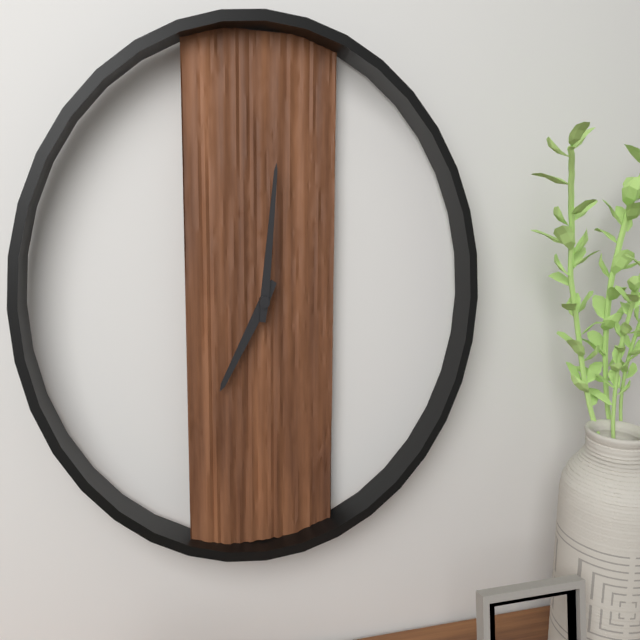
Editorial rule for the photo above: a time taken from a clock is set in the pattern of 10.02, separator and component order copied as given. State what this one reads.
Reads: 7.01
